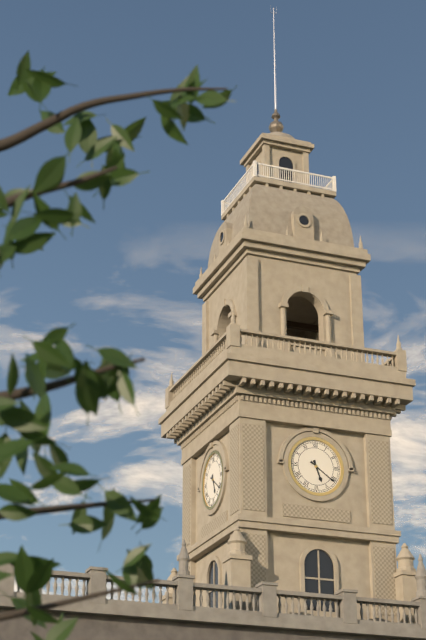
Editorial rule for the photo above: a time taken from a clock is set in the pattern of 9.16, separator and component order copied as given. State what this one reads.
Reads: 5.21
